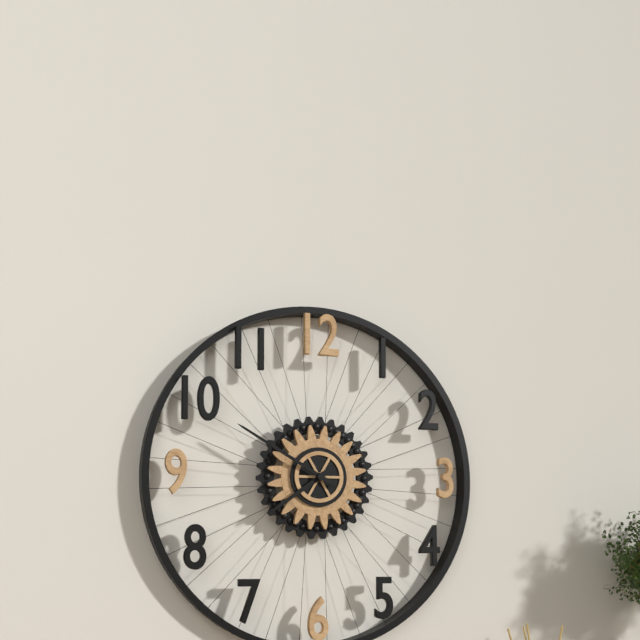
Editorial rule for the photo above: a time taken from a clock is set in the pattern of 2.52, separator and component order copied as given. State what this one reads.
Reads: 7.50
